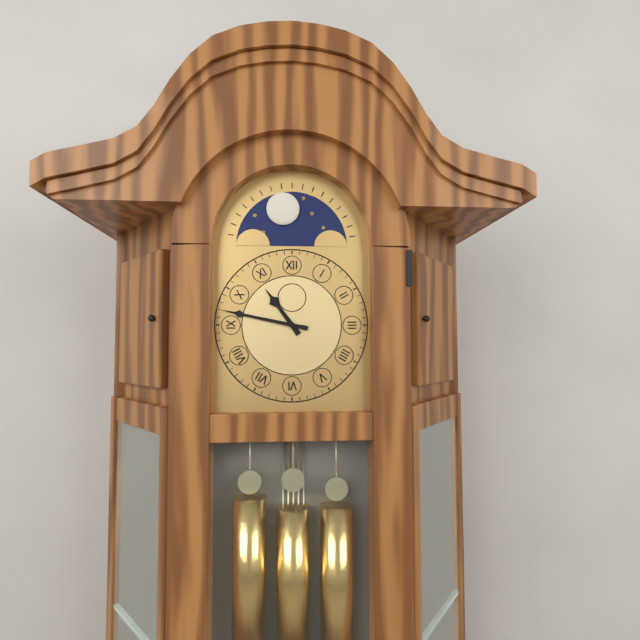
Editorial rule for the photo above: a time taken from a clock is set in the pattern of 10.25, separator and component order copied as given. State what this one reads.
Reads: 10.47
